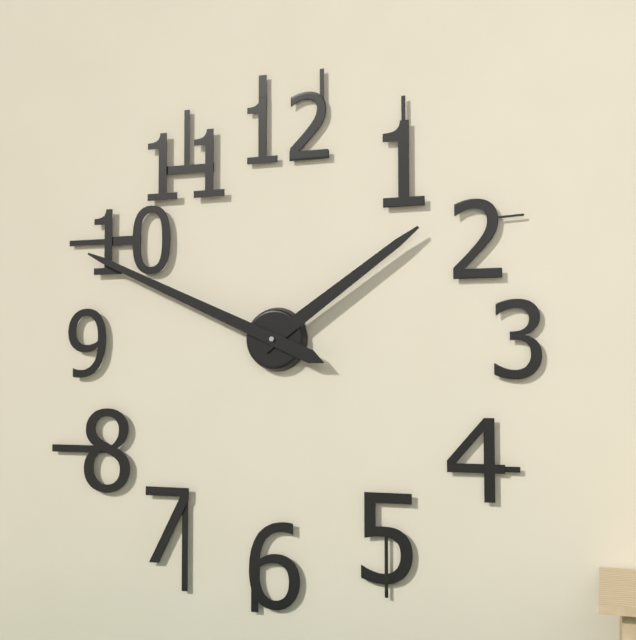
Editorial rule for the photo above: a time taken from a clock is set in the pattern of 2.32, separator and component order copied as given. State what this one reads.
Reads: 1.49
